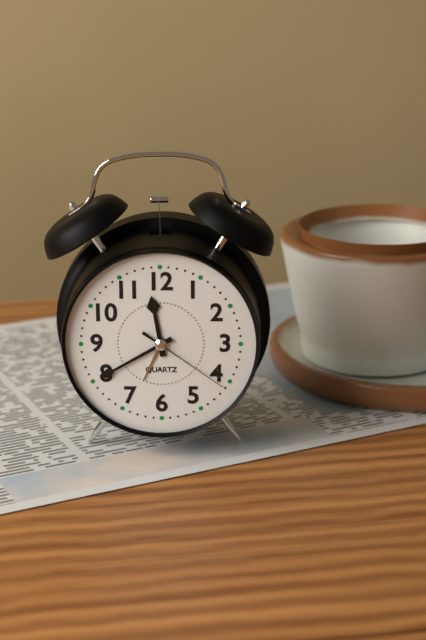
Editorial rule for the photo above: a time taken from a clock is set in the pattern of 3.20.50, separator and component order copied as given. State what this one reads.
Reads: 11.40.21
